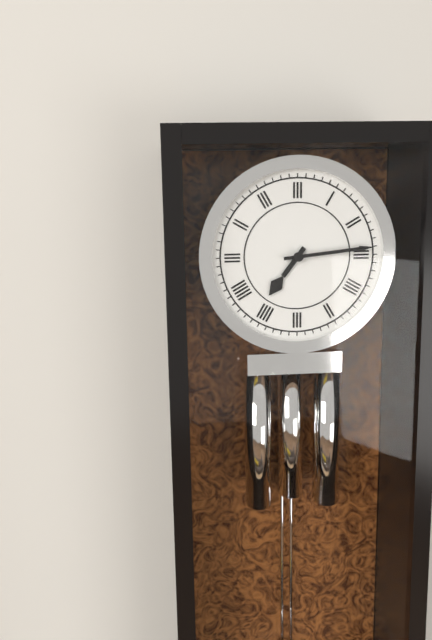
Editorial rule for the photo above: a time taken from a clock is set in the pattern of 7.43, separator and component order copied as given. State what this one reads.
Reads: 7.14
